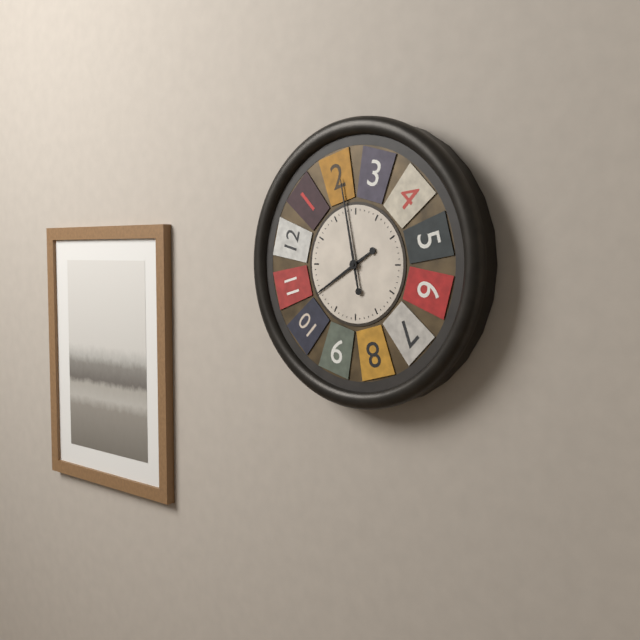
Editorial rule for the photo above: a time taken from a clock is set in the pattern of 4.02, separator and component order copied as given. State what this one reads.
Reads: 7.58
